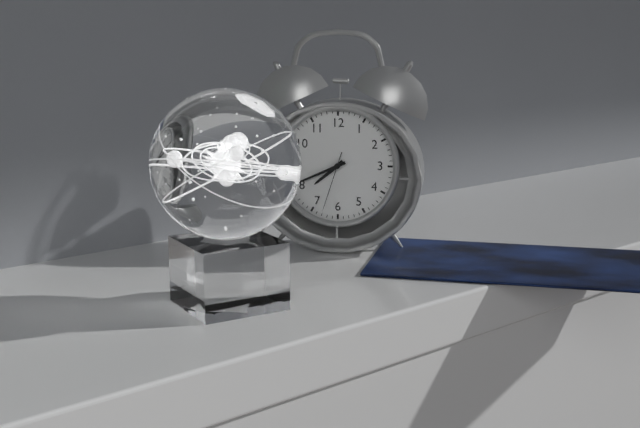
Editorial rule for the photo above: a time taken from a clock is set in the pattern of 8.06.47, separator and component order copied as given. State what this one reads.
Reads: 7.41.33
